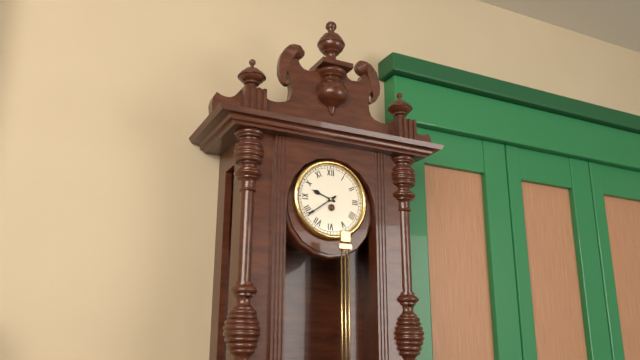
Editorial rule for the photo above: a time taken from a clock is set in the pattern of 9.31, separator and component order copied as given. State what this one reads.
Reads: 9.39
